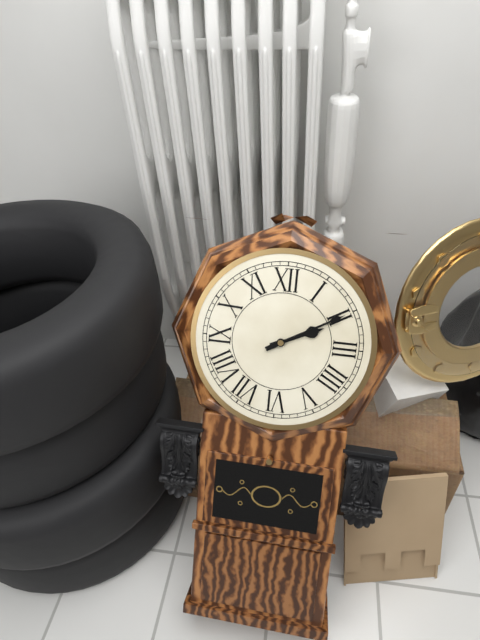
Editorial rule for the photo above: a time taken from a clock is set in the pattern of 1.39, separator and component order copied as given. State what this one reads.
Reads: 2.10
